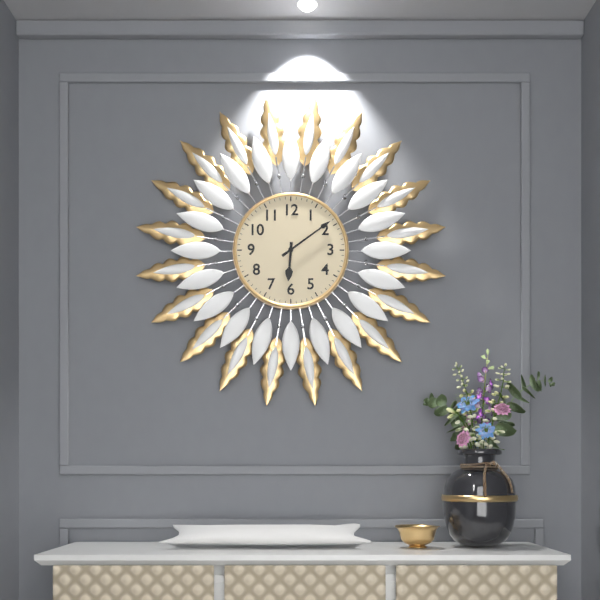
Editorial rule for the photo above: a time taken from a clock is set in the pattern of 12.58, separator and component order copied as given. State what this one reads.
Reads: 6.09
